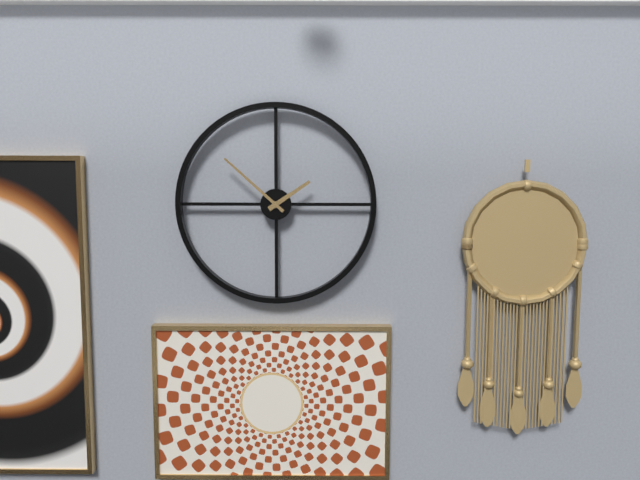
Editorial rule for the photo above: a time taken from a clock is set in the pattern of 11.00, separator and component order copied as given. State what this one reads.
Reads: 1.52
